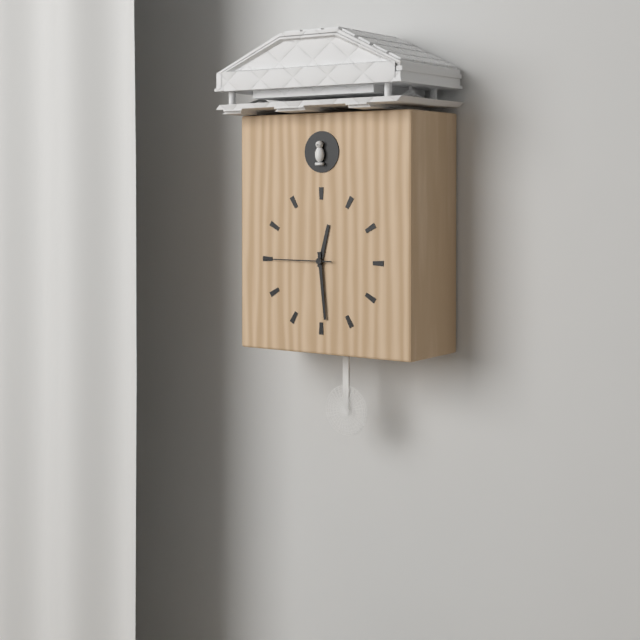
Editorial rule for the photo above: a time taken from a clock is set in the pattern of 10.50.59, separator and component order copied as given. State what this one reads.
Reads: 12.29.45
